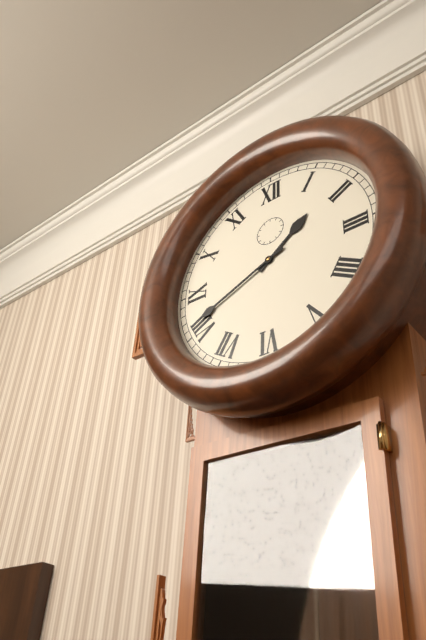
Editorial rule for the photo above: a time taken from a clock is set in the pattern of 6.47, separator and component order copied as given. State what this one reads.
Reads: 1.41
